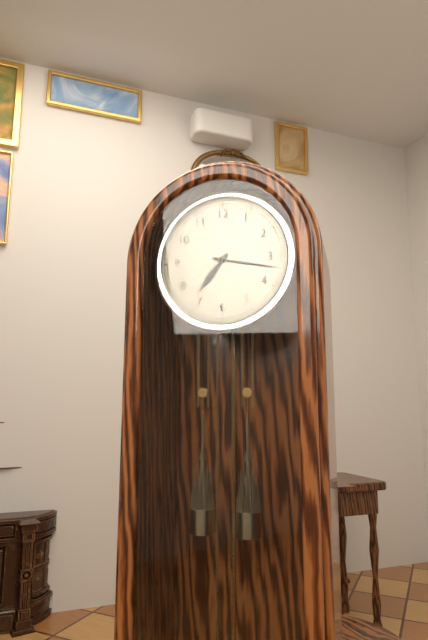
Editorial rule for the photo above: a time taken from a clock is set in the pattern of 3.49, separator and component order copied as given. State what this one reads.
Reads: 7.17
